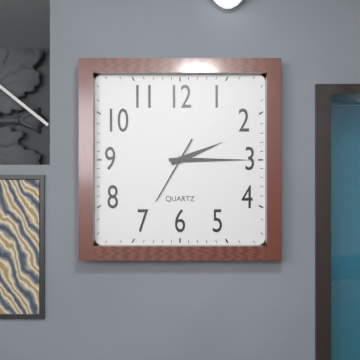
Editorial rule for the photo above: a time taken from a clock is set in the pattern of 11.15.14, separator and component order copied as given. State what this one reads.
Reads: 2.15.35
